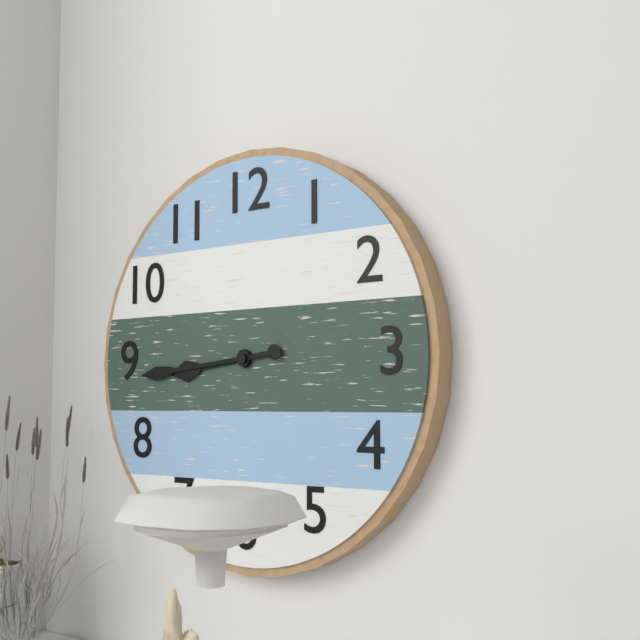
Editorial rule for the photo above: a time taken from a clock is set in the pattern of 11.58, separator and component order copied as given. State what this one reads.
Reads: 8.44
